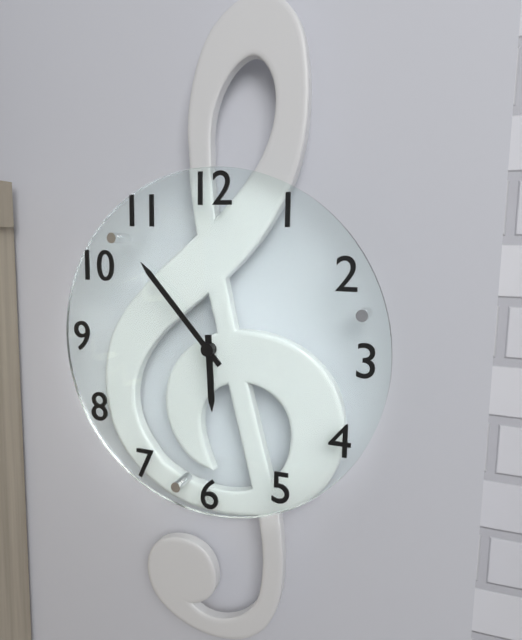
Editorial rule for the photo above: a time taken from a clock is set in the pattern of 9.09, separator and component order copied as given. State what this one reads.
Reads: 5.53
